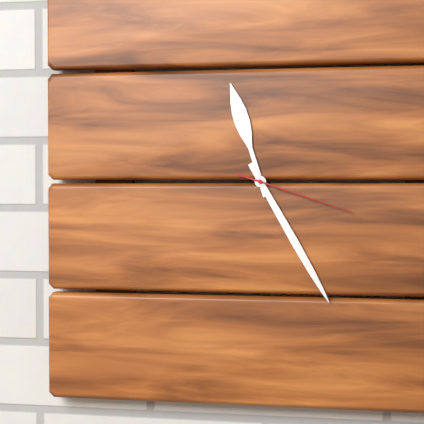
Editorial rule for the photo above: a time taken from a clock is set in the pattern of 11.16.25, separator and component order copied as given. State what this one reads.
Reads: 11.25.18
